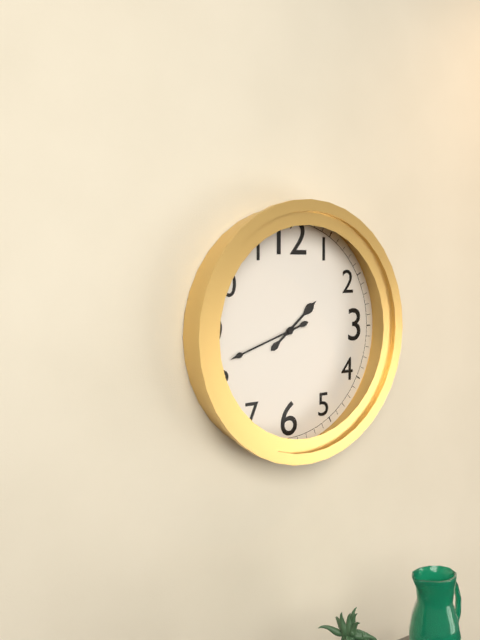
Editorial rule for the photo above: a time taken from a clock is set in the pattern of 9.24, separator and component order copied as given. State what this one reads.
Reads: 1.42
